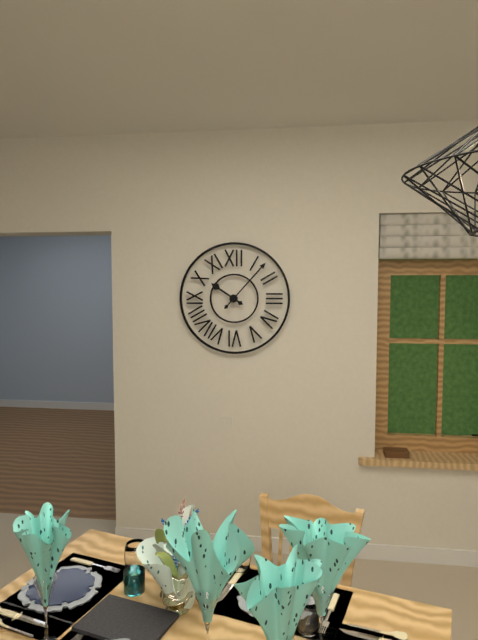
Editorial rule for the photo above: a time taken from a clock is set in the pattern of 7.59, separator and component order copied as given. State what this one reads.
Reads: 10.07
